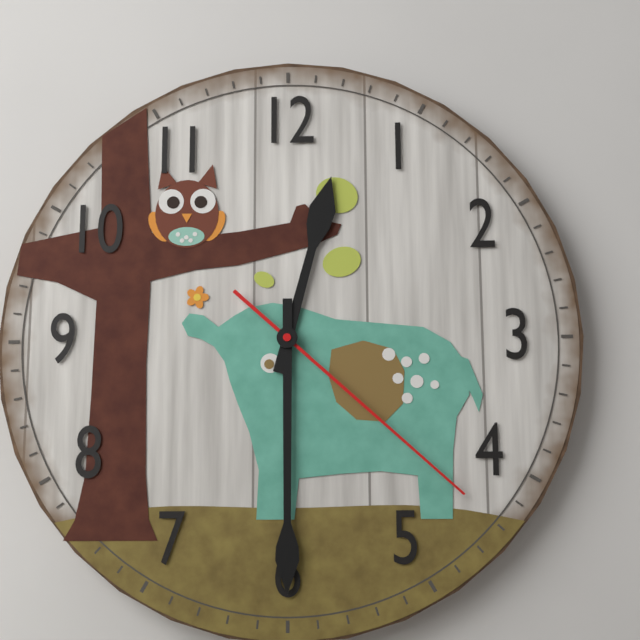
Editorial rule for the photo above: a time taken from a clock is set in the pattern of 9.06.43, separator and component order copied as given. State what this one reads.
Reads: 12.30.22
